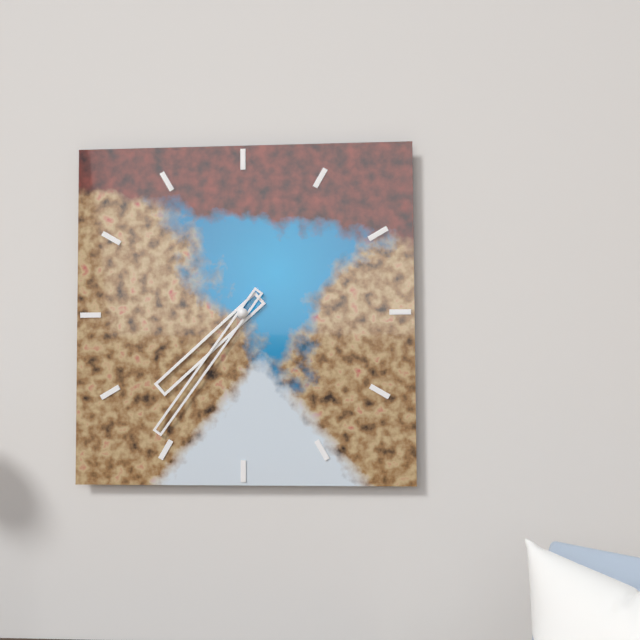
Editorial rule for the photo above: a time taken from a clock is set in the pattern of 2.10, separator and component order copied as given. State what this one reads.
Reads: 7.36
